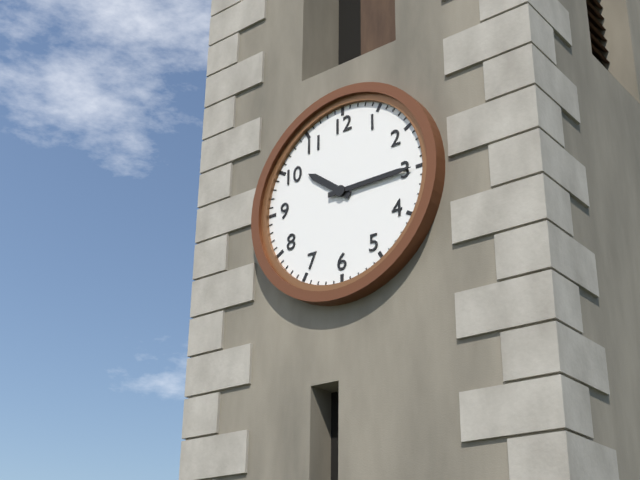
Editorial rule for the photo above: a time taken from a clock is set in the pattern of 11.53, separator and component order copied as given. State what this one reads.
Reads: 10.15
